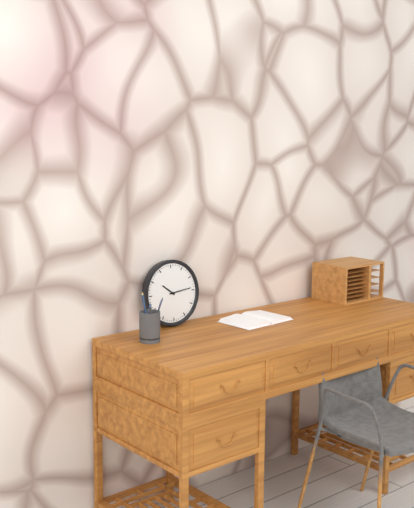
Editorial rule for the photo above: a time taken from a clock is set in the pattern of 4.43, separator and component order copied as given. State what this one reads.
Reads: 10.14
